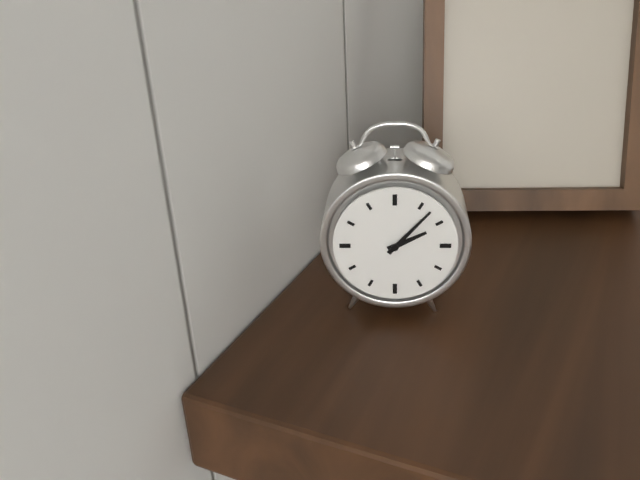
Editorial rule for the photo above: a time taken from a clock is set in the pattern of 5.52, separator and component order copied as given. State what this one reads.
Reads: 2.07
